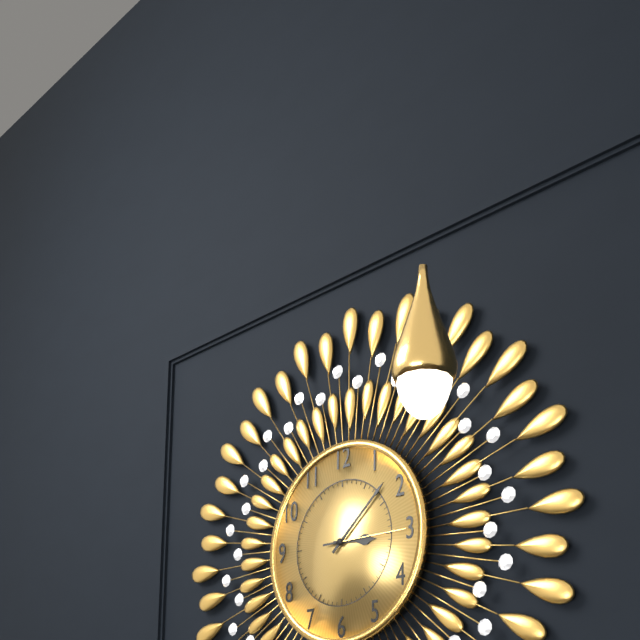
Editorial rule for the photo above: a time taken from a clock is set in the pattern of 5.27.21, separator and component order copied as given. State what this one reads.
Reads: 3.08.15
